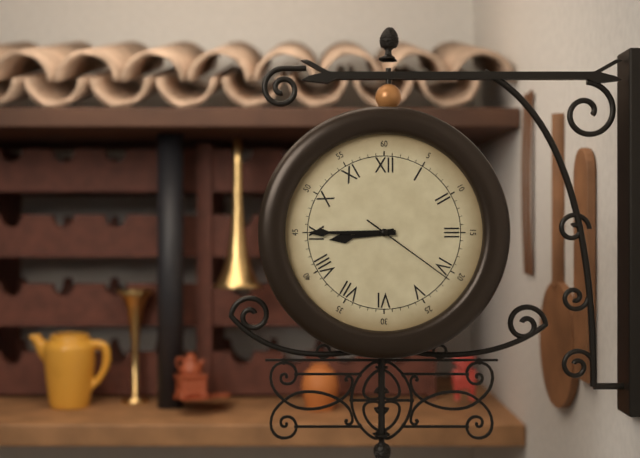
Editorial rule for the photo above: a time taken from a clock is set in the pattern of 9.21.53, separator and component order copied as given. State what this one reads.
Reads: 8.45.21
